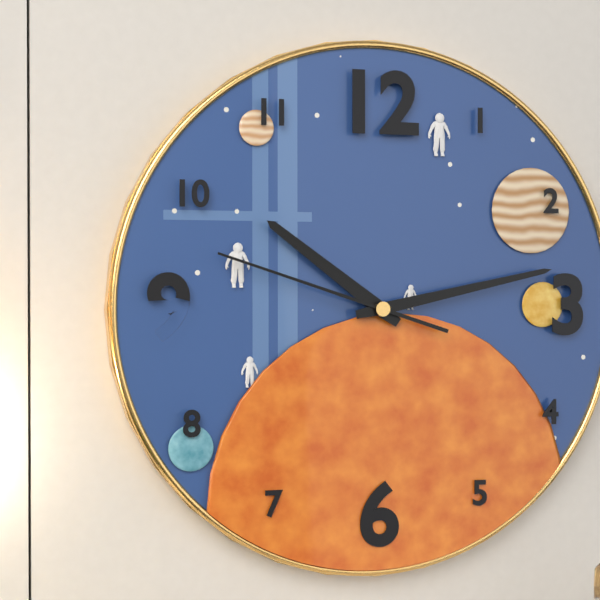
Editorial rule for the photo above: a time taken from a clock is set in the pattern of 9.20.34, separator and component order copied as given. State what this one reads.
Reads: 10.13.48
